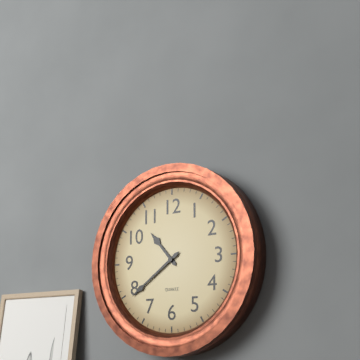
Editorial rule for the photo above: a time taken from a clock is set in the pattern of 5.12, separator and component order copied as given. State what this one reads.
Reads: 10.39
